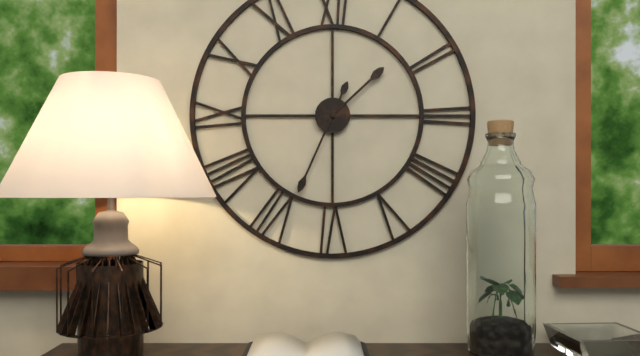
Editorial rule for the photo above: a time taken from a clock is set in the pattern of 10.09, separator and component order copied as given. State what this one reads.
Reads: 1.34
